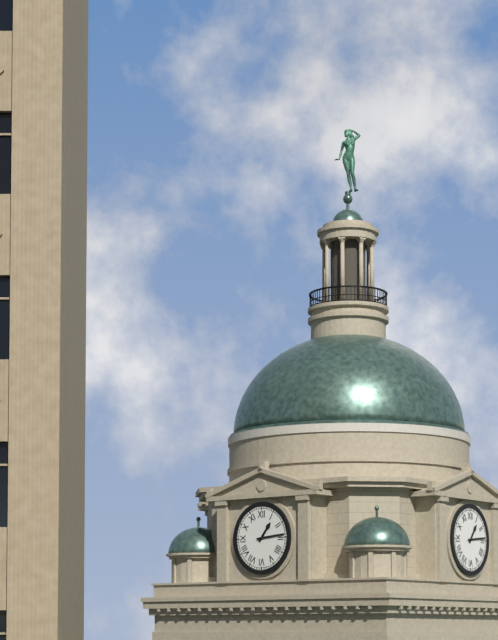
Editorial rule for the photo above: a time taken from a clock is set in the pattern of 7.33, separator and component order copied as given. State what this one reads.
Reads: 1.14
